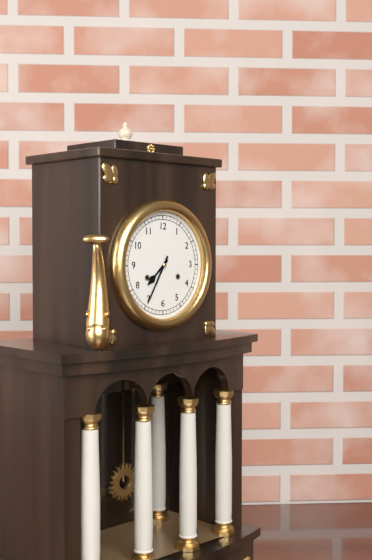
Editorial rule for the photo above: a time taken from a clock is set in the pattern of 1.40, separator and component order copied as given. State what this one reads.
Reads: 7.35
